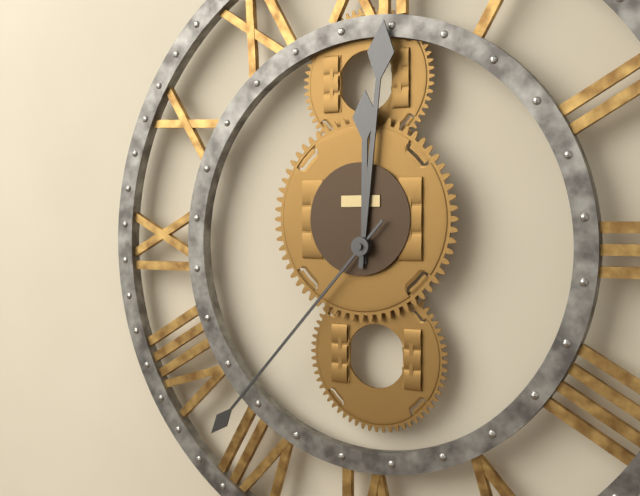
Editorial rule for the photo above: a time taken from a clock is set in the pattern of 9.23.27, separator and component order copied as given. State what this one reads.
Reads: 12.01.37
